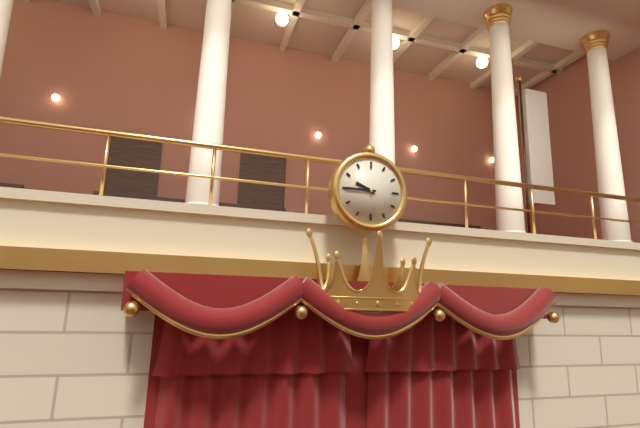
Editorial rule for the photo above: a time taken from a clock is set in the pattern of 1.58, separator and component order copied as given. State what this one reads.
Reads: 9.45
